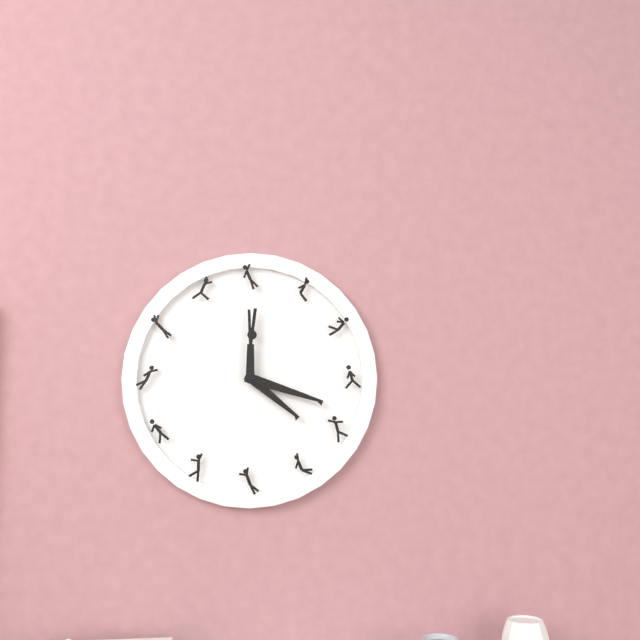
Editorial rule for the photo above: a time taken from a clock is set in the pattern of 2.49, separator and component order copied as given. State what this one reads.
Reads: 4.18
